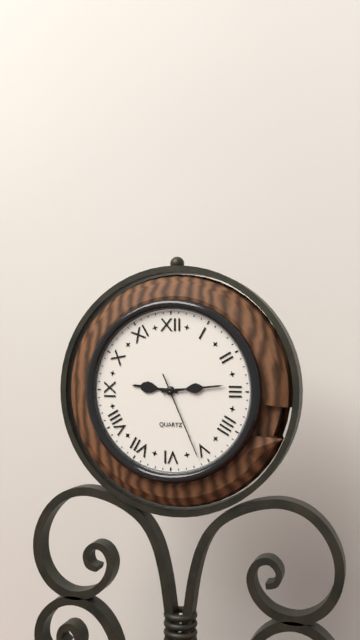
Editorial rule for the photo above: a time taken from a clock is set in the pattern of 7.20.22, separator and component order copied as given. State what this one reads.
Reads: 9.14.26
